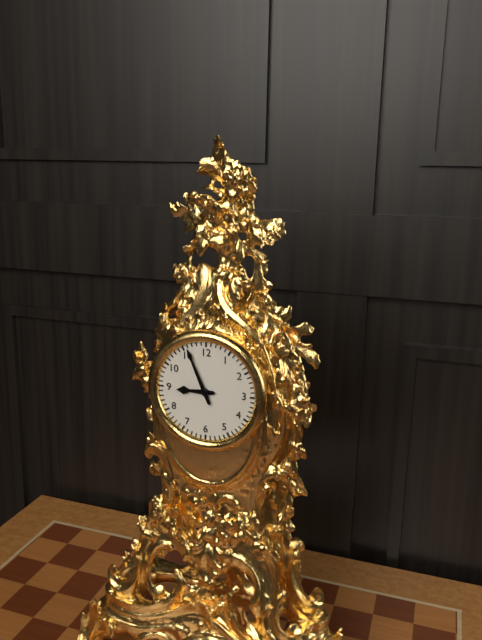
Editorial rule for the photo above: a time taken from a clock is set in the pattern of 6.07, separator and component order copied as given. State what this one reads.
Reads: 8.56
